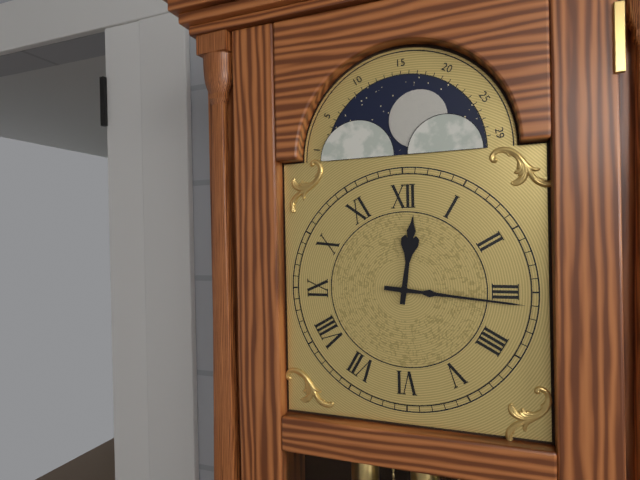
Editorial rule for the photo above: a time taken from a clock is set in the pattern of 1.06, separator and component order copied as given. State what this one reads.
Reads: 12.16
